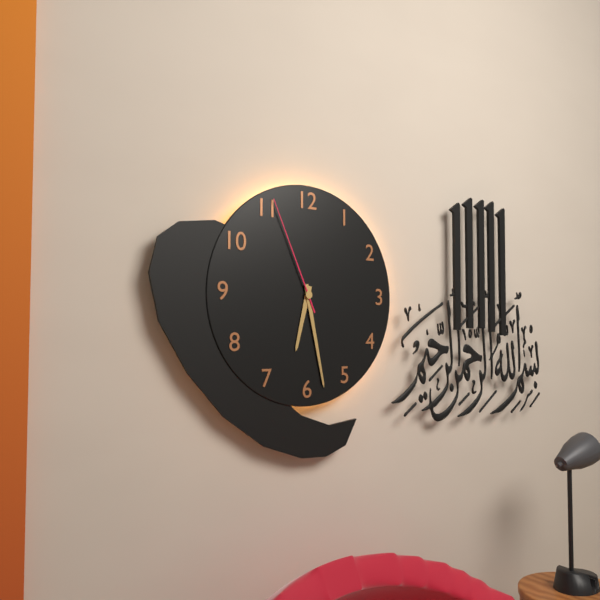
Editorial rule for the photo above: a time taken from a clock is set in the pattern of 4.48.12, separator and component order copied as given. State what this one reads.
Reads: 6.28.56
